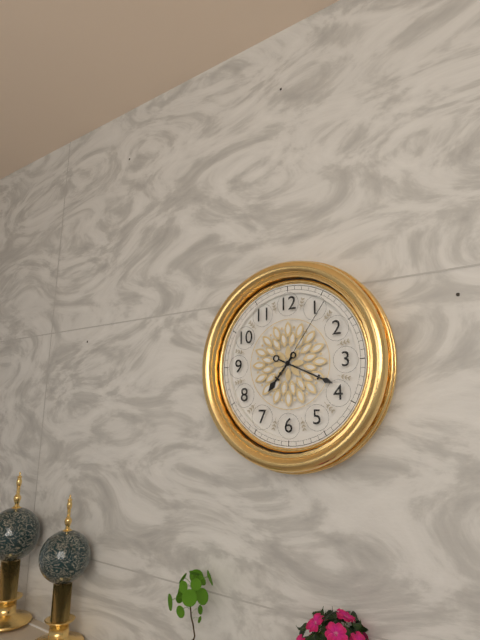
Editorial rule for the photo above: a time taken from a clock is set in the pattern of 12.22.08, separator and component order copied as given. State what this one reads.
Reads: 7.19.06
